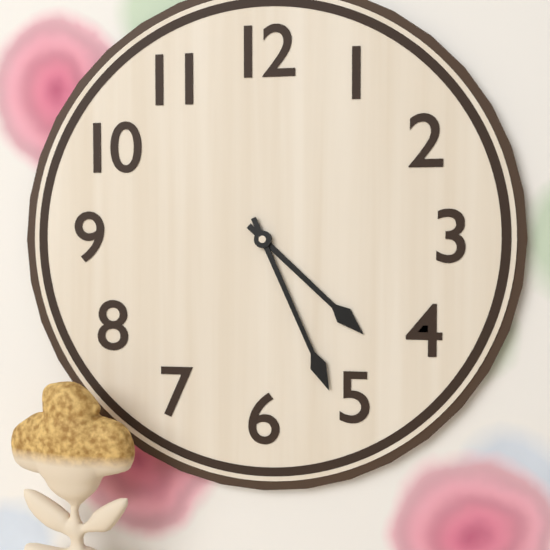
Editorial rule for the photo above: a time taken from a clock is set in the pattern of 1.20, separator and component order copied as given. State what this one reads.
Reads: 4.26
